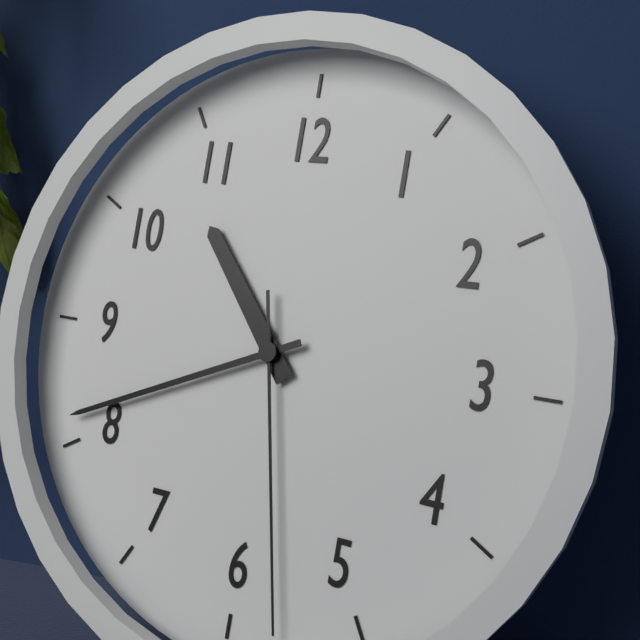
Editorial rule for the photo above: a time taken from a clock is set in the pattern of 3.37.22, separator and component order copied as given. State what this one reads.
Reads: 10.41.28
